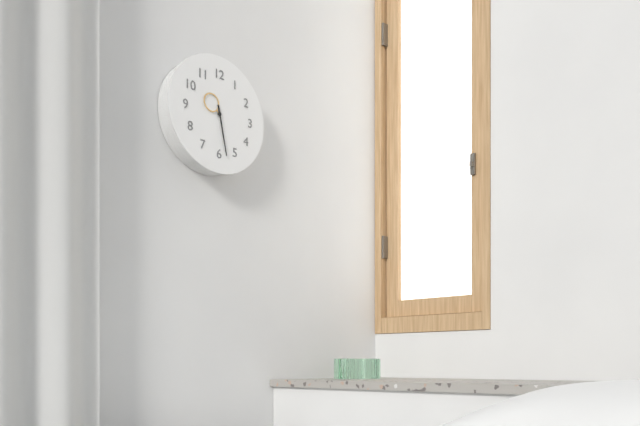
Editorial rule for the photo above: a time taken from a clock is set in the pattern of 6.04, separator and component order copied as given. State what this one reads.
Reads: 10.28
